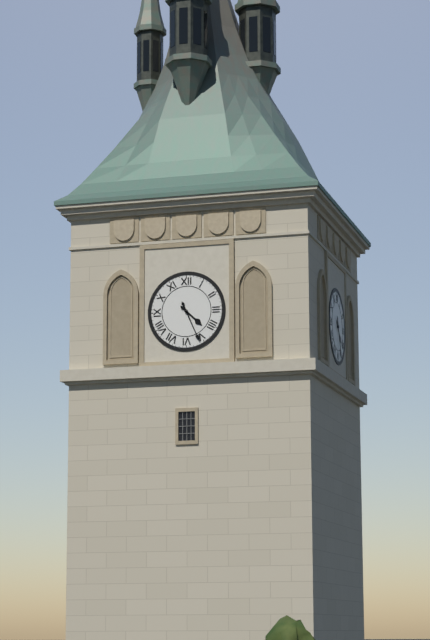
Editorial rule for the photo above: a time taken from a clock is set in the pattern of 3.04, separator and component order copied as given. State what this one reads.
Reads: 4.26
